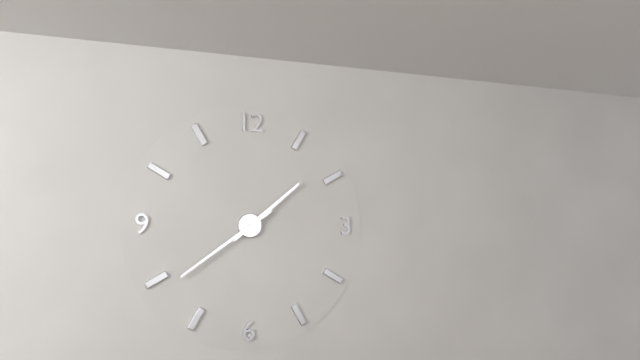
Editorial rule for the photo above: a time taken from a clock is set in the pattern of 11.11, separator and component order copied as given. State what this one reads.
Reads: 1.39
